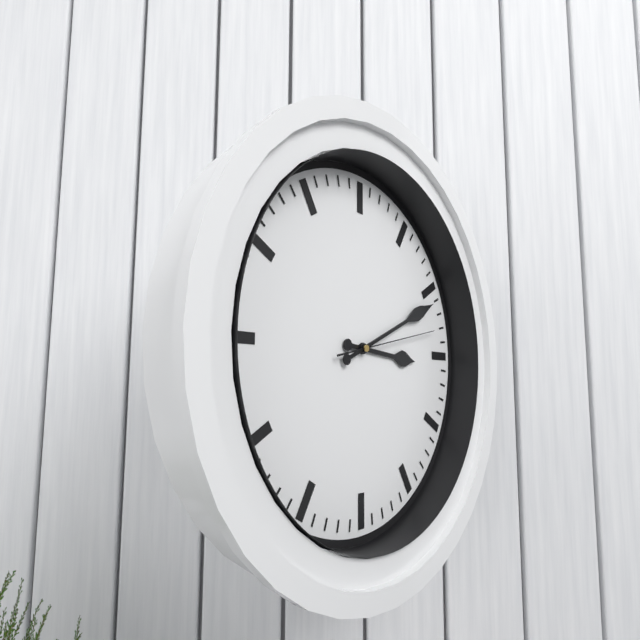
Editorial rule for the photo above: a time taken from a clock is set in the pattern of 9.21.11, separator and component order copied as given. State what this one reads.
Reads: 3.11.13
